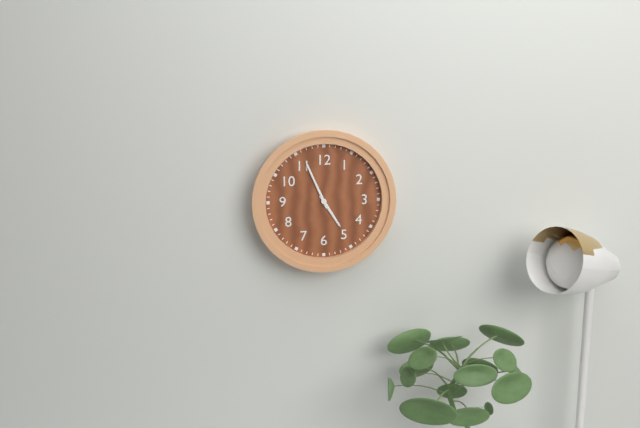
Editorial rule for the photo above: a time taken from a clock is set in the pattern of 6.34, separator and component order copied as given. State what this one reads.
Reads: 4.56
